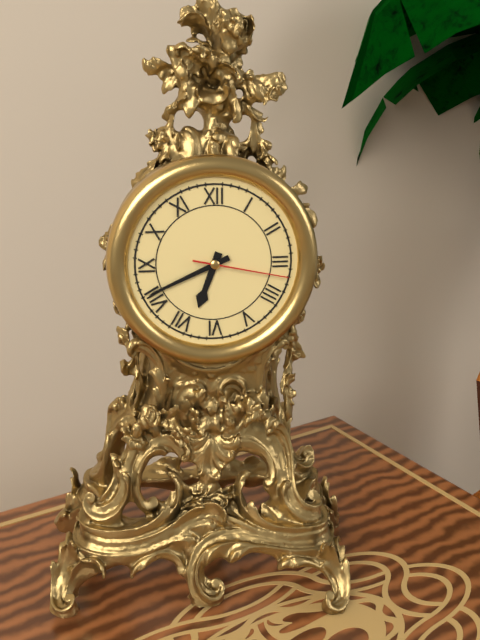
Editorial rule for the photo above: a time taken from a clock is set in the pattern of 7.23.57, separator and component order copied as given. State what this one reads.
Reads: 6.41.17
